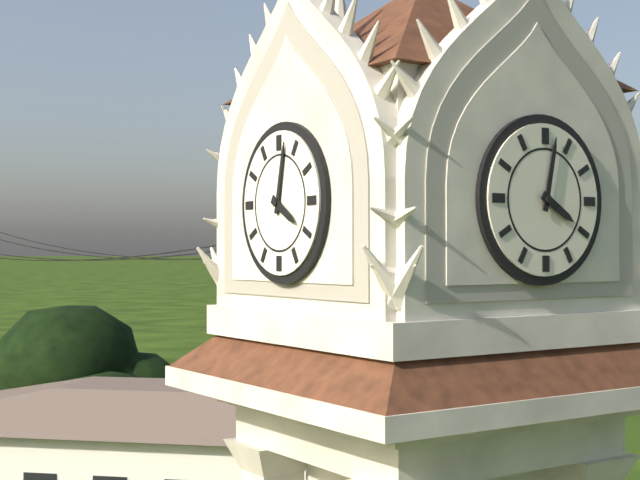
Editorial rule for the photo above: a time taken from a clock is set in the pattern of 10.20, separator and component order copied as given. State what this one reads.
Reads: 4.02
